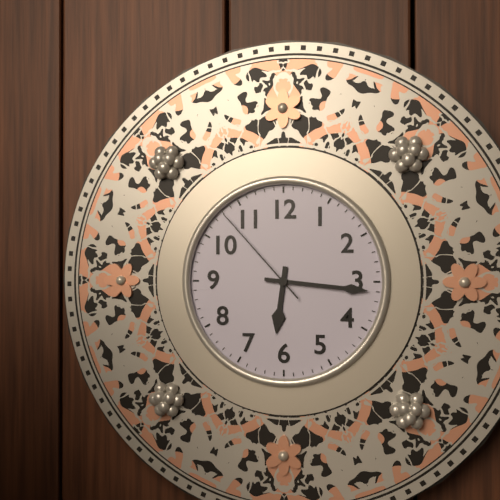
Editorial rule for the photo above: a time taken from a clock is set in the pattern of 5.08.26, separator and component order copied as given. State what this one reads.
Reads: 6.16.53
